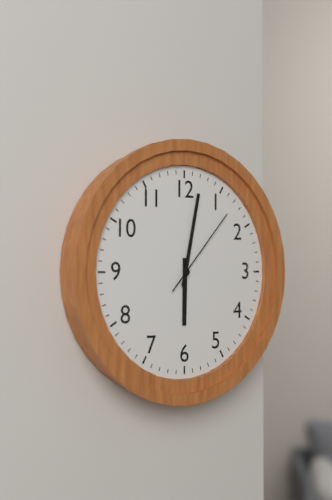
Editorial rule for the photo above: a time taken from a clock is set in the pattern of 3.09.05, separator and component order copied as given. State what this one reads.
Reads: 6.02.07
